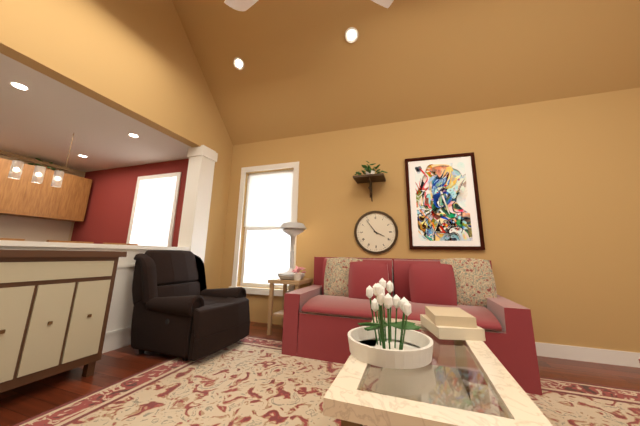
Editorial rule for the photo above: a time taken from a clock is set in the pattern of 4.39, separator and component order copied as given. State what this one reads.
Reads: 3.54
